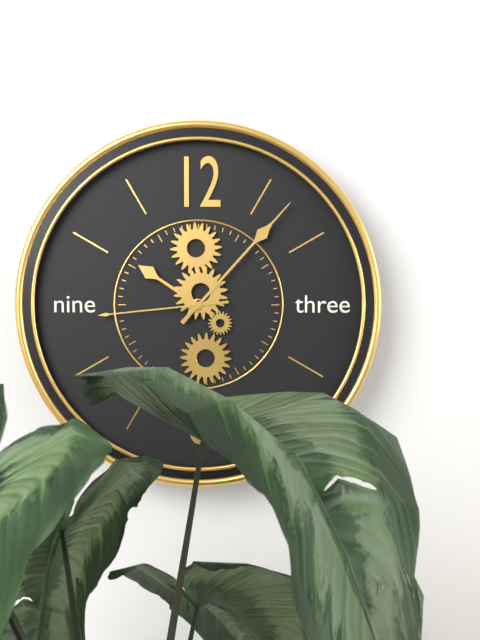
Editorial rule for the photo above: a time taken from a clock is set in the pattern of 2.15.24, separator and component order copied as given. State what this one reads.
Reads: 10.07.44
